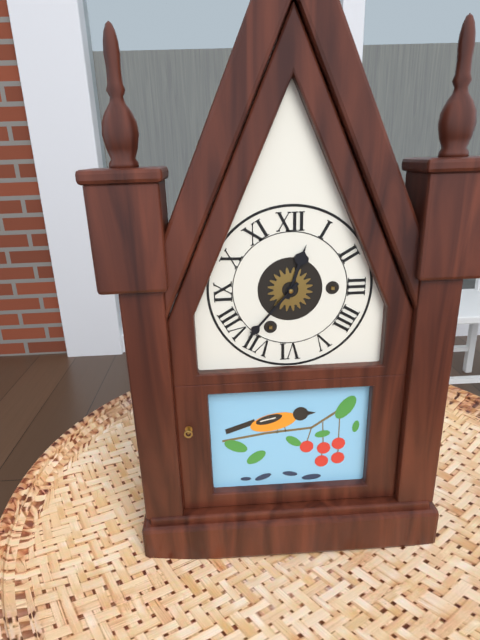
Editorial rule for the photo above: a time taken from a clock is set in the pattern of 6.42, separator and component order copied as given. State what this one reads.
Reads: 12.37
